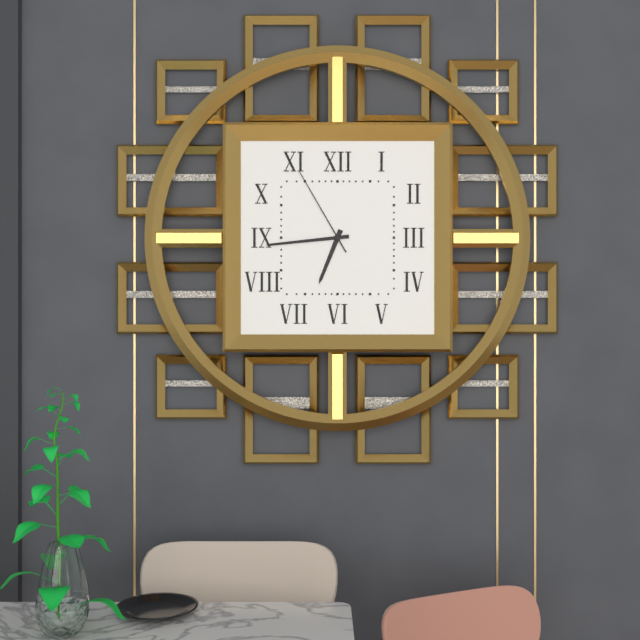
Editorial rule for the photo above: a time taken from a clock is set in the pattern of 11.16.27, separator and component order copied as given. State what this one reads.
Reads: 6.44.55
